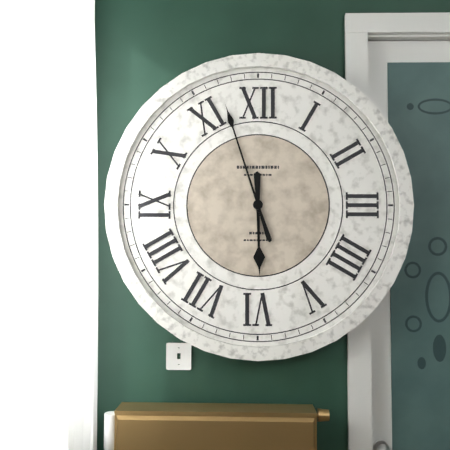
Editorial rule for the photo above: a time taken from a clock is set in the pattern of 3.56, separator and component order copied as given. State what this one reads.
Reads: 5.57
